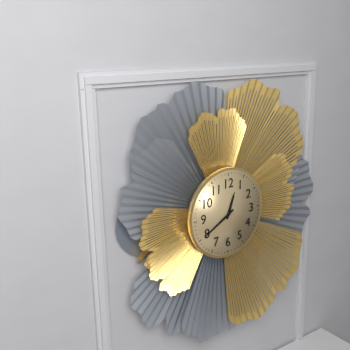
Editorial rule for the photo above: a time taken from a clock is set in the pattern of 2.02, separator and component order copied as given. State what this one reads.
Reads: 12.40
